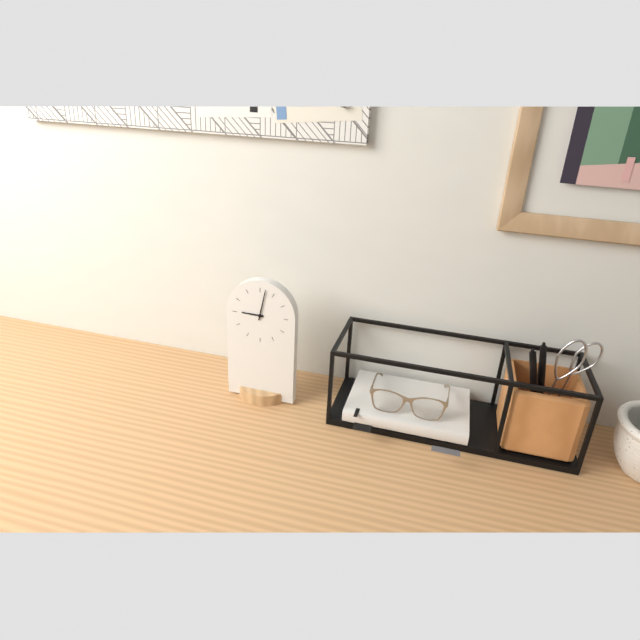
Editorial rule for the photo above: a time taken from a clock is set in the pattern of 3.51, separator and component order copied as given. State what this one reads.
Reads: 9.02
